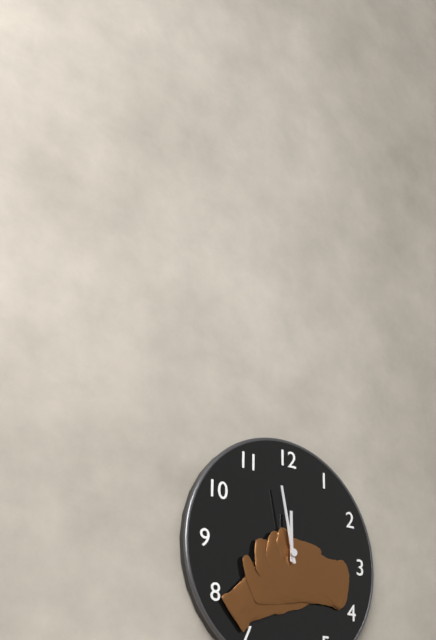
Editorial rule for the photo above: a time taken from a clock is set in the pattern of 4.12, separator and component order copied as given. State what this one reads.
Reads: 11.58
